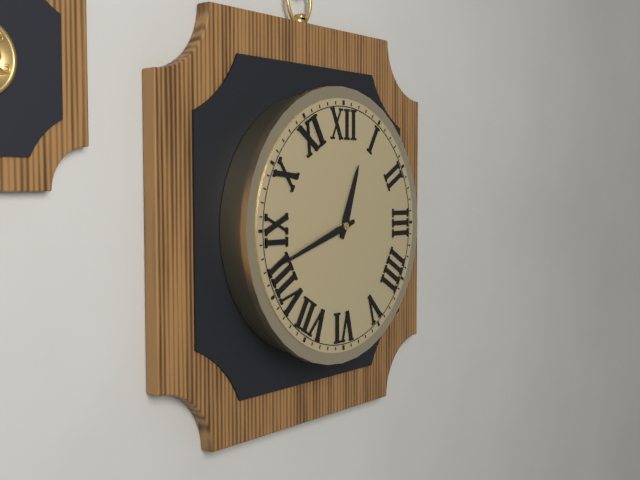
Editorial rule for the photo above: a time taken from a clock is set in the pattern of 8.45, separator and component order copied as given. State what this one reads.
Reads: 12.42
